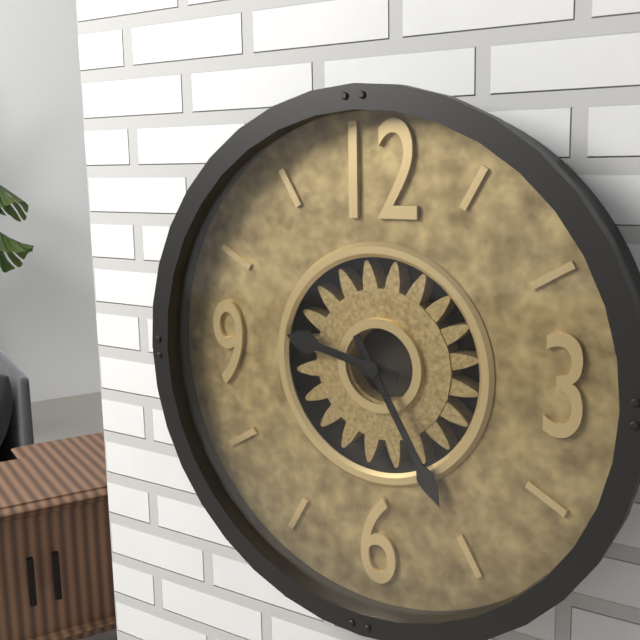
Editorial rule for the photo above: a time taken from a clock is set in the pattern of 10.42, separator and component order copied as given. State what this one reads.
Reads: 9.25
